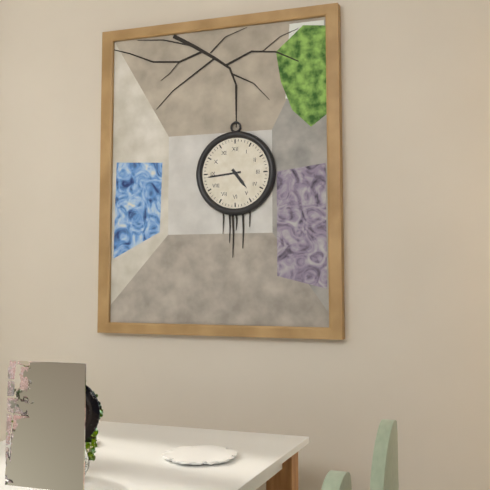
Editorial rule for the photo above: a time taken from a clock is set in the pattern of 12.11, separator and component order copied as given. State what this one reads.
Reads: 4.44
